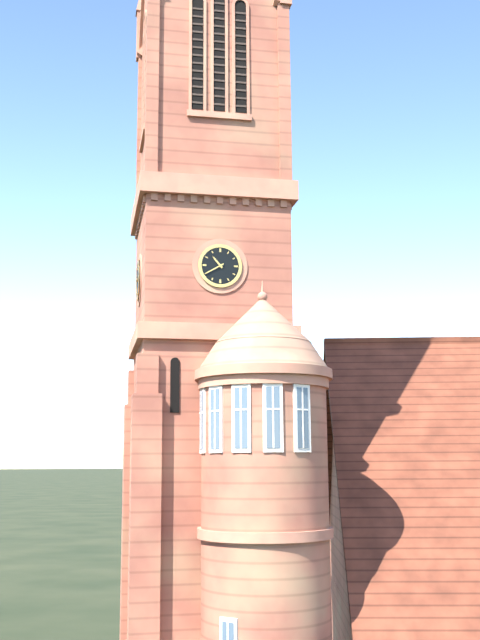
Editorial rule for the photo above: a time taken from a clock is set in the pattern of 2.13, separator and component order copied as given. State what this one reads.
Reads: 10.40
